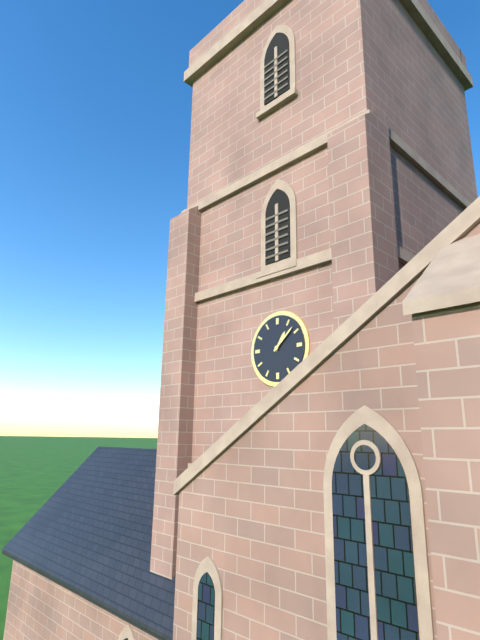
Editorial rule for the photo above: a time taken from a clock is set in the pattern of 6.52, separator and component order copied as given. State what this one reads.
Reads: 1.08
